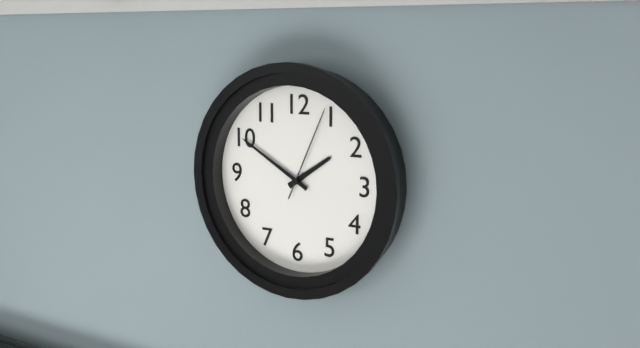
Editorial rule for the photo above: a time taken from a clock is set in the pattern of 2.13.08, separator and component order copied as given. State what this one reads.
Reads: 1.50.04
